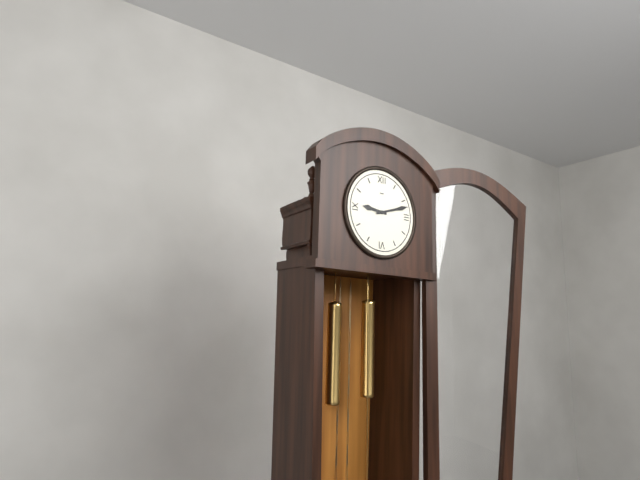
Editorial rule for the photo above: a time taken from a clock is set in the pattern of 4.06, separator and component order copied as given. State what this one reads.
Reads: 9.12
